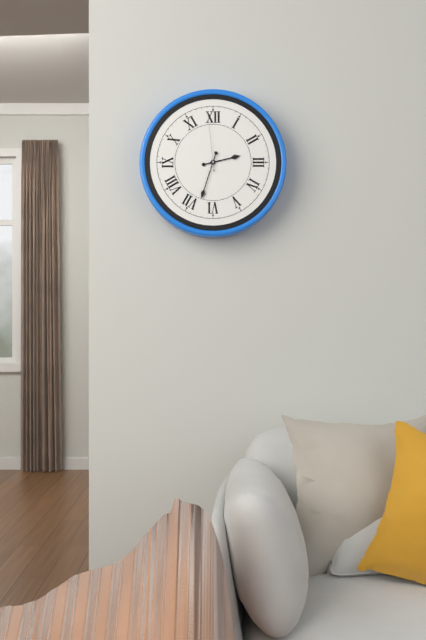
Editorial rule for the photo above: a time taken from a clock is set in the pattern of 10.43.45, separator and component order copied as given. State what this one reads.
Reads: 2.33.59
